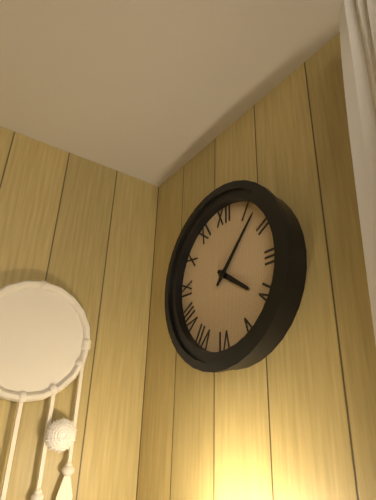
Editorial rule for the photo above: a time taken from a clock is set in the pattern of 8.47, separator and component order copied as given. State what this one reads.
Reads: 4.07
